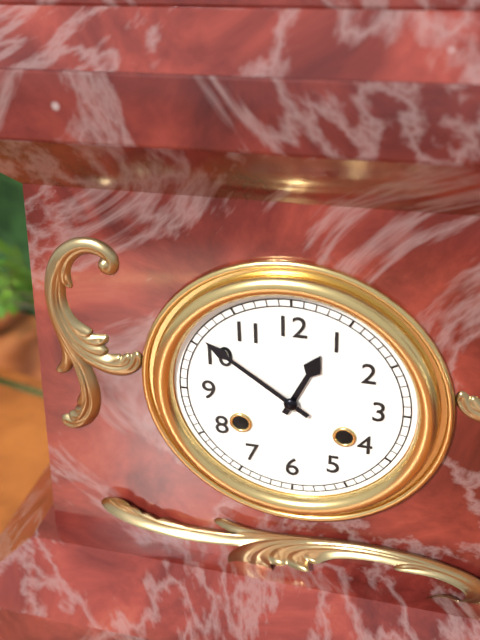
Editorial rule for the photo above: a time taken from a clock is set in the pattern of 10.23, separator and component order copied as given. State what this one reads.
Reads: 12.51
